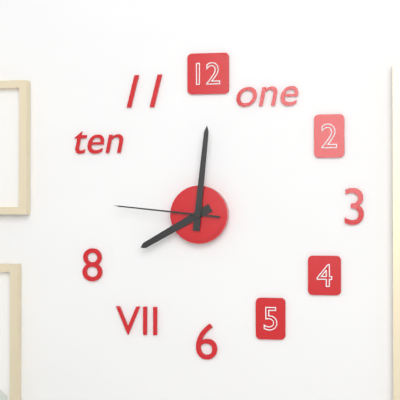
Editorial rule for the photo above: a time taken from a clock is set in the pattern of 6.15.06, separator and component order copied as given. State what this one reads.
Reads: 8.01.46
